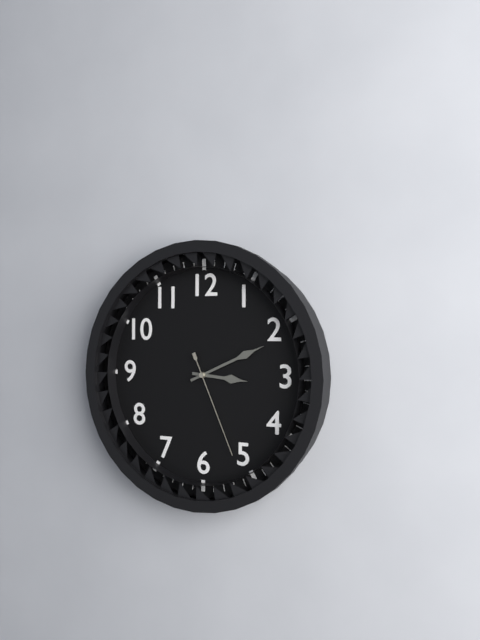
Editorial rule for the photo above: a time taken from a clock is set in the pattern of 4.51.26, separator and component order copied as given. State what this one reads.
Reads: 3.11.26
